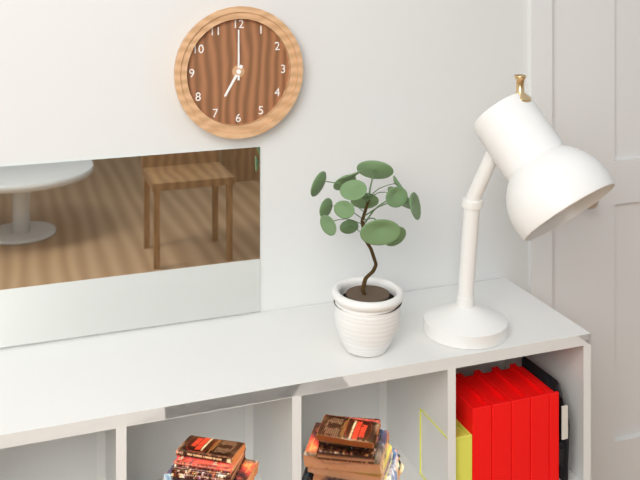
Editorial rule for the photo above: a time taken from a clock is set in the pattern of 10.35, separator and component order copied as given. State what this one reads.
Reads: 7.00
